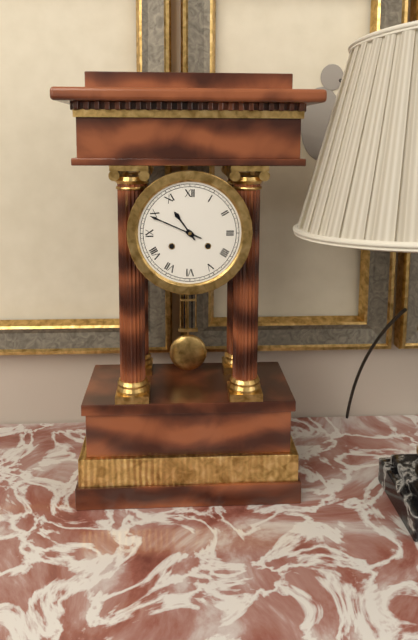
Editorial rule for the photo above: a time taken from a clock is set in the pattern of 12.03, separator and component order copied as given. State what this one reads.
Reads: 10.49
